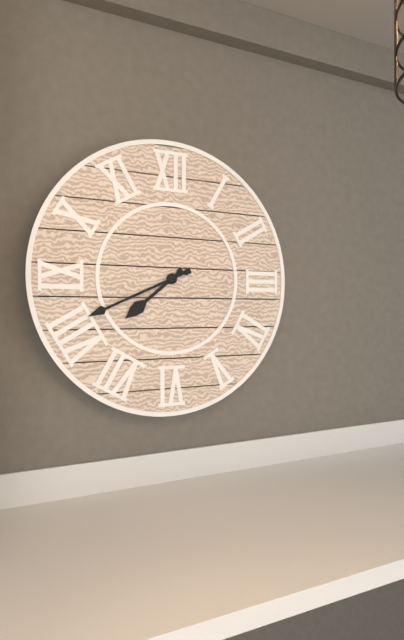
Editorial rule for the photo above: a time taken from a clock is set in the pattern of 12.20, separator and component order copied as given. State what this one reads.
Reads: 7.41
